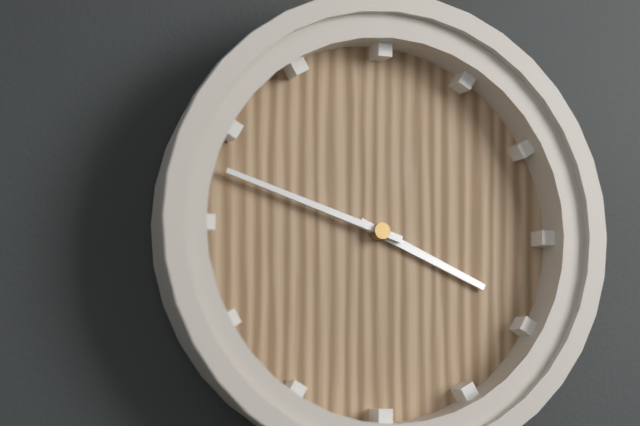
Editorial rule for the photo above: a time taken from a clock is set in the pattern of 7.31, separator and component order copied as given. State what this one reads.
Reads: 3.48
